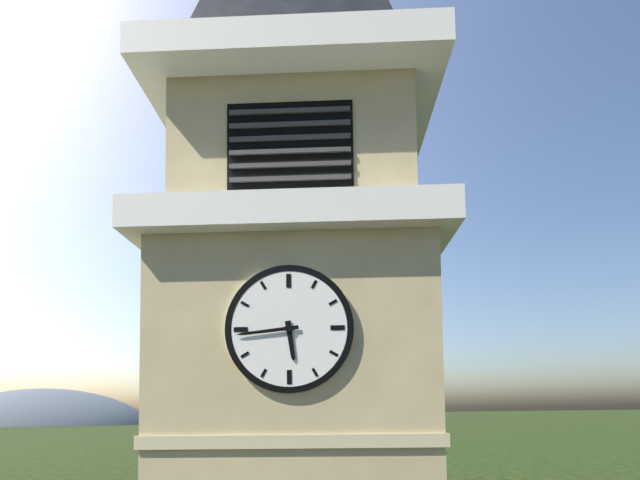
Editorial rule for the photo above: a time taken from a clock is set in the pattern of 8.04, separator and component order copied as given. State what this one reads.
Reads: 5.44
